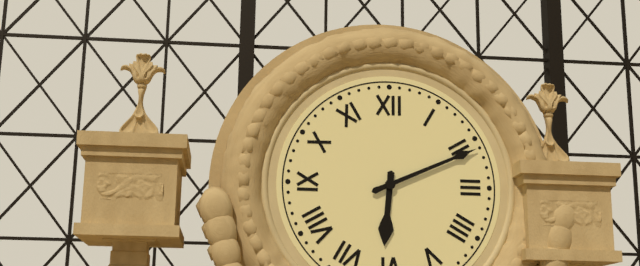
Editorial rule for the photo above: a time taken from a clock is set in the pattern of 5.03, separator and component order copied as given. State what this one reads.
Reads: 6.11
